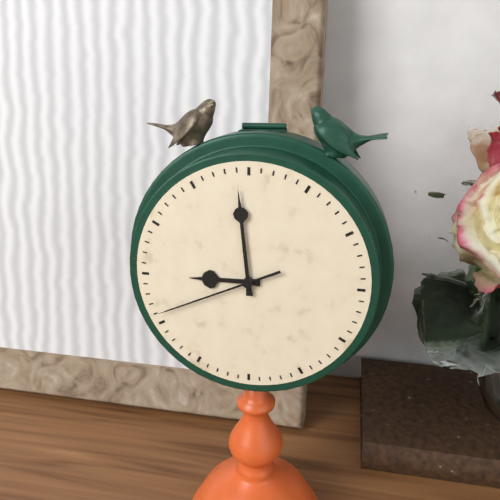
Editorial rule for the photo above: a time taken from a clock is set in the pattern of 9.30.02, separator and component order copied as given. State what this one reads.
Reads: 8.59.41
